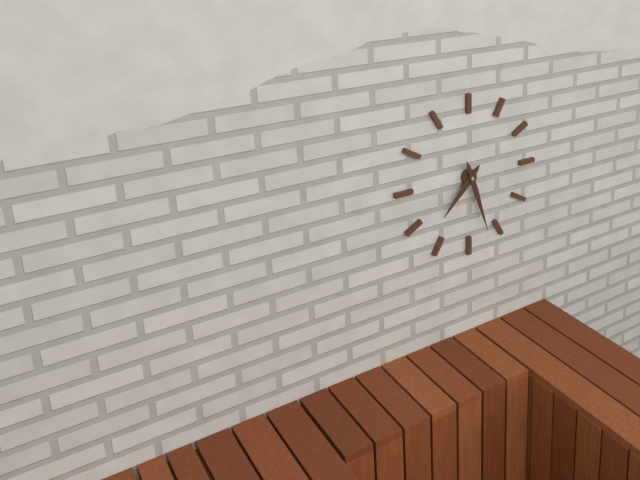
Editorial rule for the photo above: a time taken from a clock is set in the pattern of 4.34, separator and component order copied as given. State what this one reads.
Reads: 7.27
